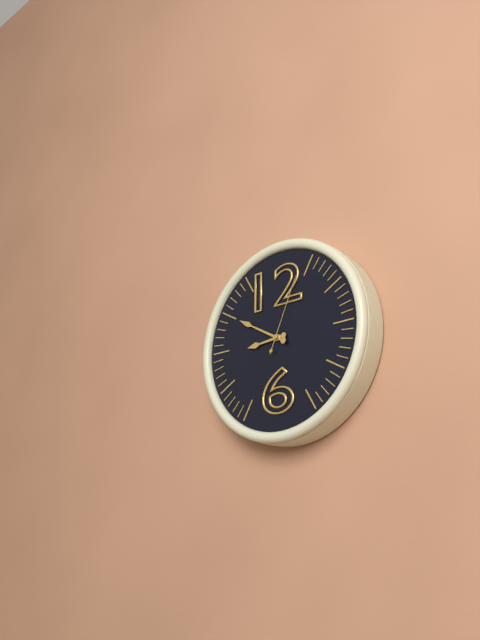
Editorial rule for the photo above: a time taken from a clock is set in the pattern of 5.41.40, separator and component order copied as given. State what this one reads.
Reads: 8.50.04
